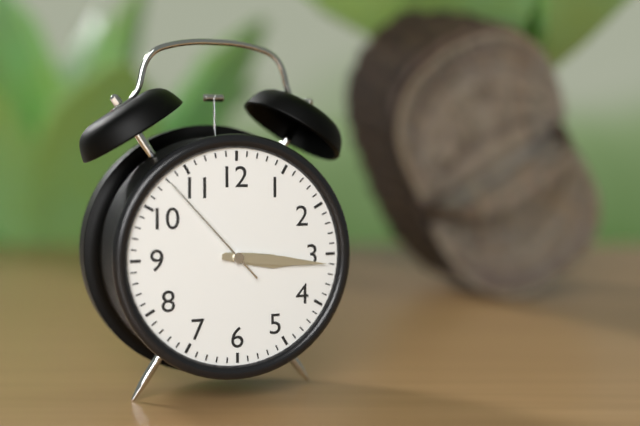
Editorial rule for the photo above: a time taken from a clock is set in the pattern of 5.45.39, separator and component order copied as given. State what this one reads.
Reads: 3.16.53
